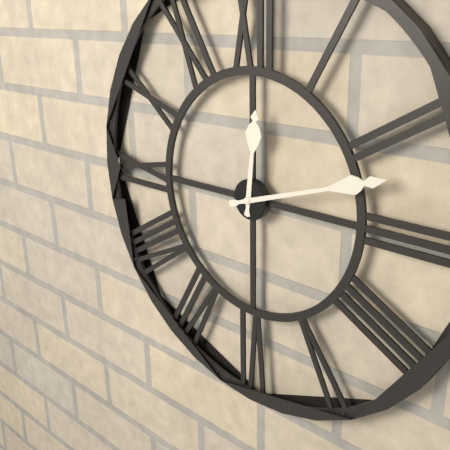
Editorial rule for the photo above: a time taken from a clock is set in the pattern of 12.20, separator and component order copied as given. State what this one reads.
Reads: 12.12
